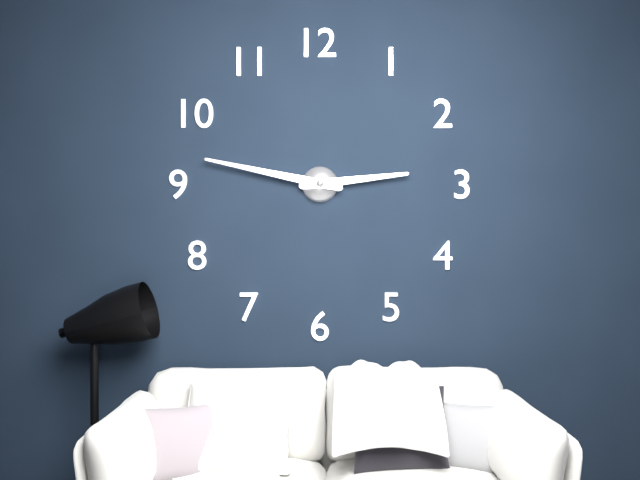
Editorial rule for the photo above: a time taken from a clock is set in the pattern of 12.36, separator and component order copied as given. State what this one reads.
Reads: 2.47
